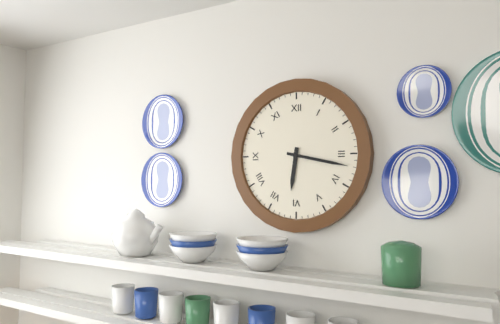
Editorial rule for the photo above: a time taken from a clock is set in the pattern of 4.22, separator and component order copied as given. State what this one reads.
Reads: 6.17
